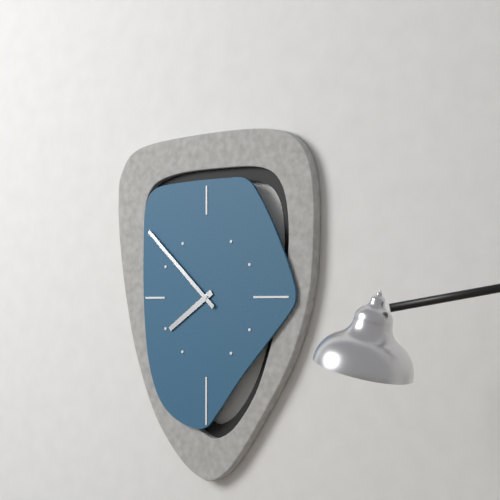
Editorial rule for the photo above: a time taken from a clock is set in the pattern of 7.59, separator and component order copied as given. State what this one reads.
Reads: 7.52
